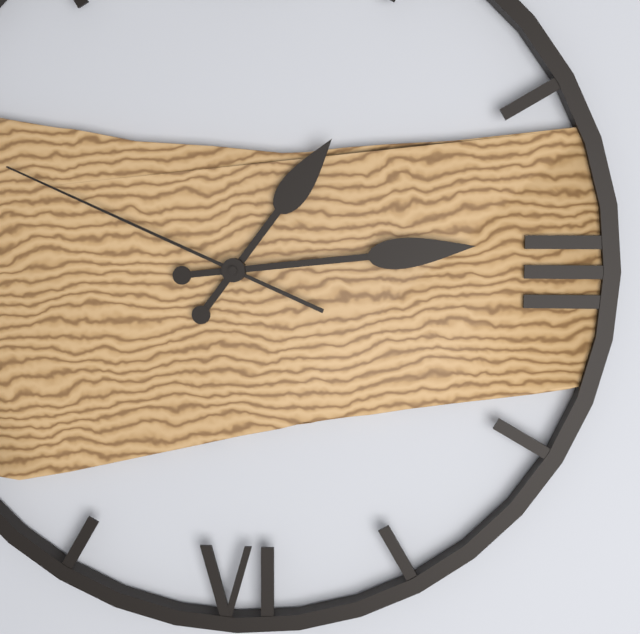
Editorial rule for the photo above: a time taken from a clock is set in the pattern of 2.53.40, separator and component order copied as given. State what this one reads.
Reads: 1.14.49
